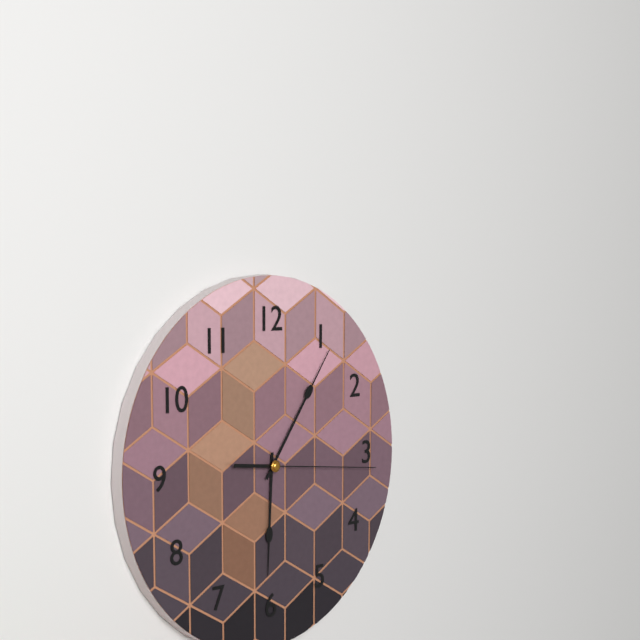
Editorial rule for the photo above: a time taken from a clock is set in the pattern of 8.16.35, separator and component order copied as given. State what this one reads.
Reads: 6.06.16
